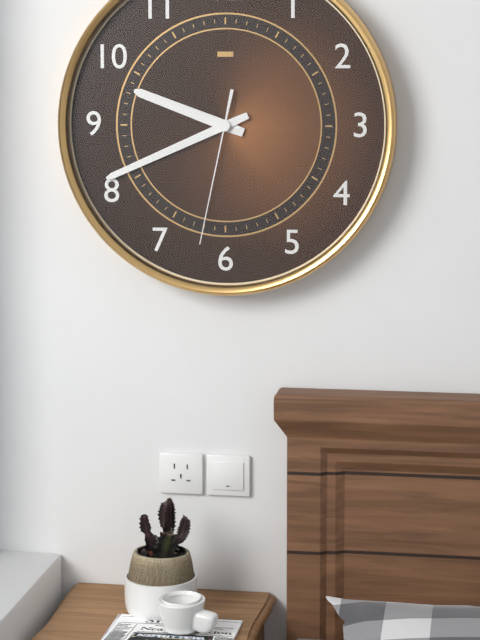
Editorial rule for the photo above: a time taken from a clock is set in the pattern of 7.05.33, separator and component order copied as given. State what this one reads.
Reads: 9.41.32
